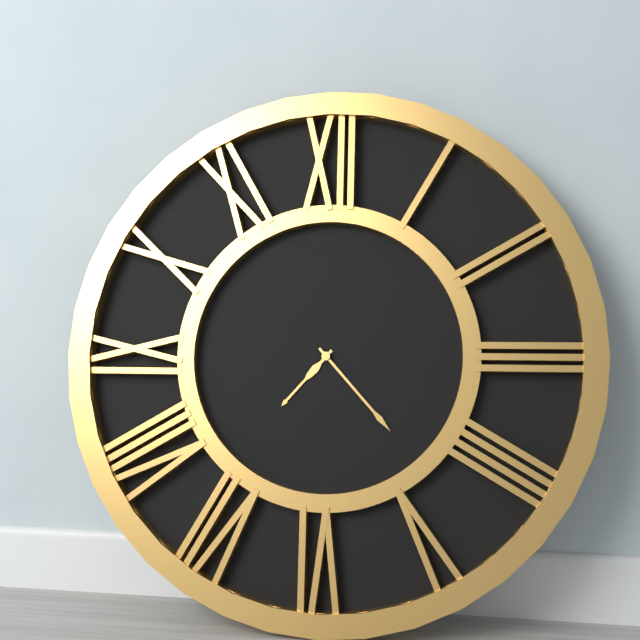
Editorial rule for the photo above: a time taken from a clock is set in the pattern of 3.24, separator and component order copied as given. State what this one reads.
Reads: 7.23
